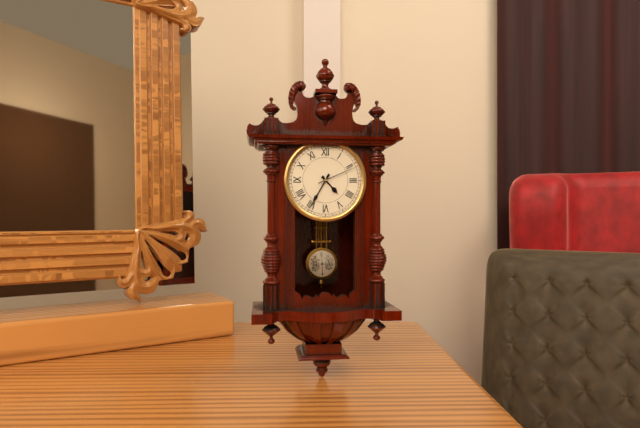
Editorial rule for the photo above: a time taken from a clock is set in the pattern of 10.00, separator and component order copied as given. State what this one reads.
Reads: 4.35
